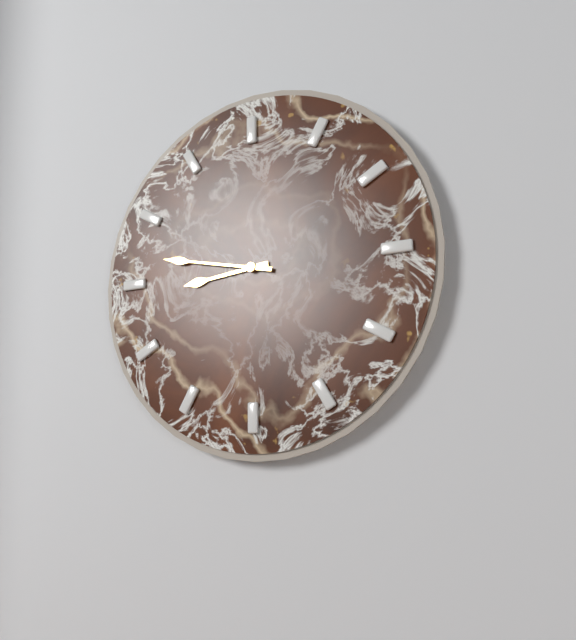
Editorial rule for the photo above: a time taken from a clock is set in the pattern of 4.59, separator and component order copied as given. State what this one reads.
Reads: 8.47
